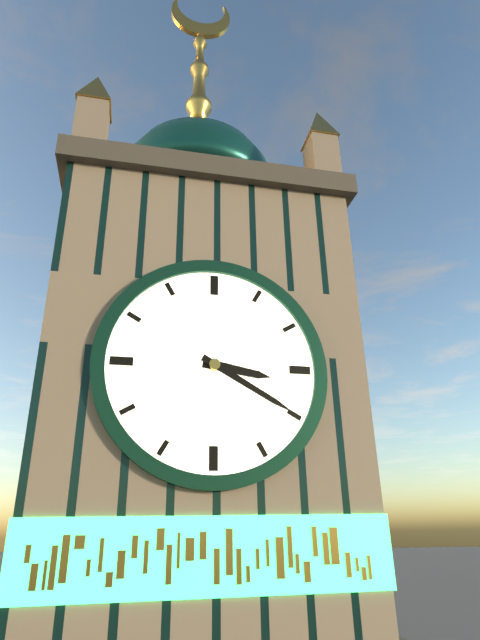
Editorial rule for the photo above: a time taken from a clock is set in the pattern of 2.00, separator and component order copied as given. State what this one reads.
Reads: 3.20
